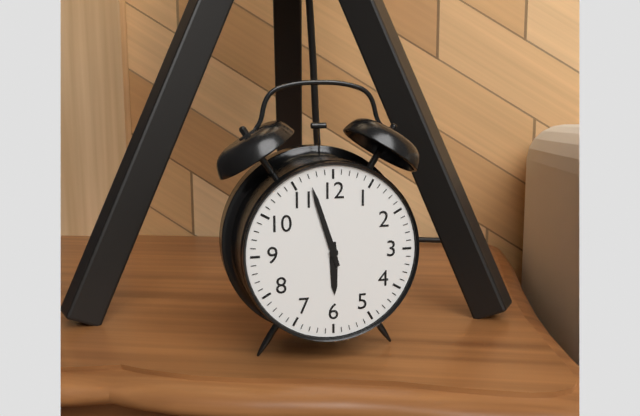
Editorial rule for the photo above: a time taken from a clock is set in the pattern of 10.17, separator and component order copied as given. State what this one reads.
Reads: 5.57
